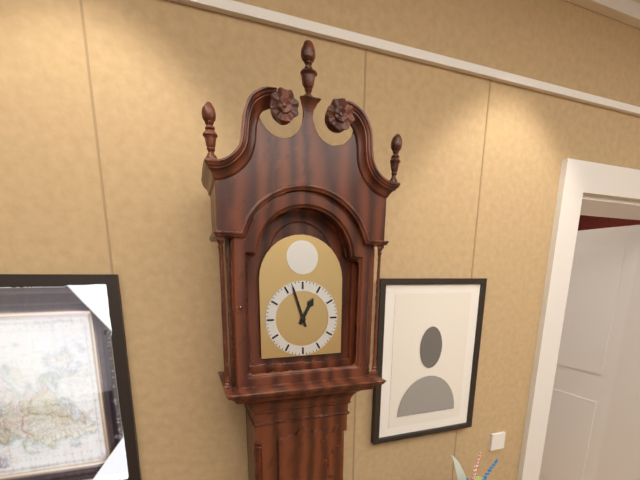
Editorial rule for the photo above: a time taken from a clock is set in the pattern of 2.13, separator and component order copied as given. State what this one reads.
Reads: 12.57
